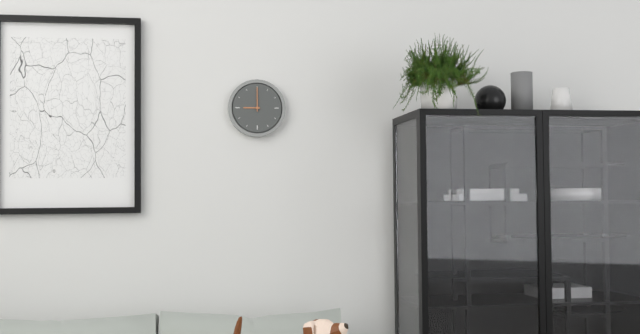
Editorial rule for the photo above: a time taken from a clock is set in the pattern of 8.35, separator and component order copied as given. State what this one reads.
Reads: 9.00
